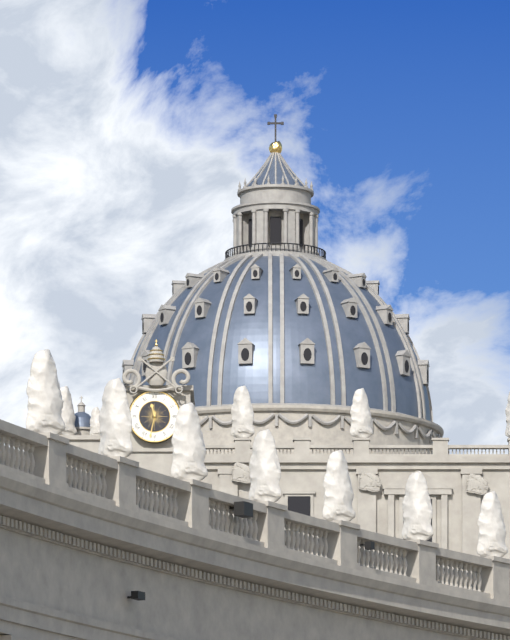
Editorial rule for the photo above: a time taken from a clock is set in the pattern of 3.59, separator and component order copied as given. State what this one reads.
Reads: 11.32
